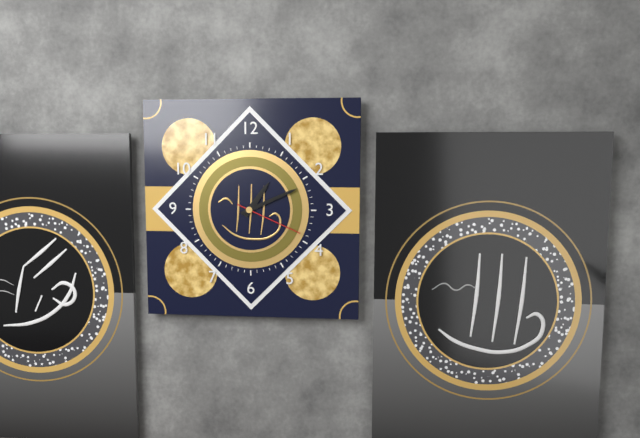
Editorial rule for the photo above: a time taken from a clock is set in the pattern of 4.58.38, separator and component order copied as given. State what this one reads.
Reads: 1.11.19
